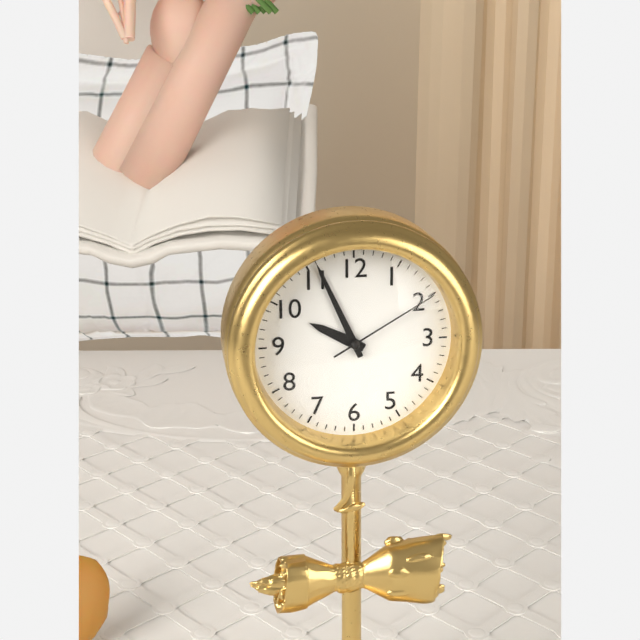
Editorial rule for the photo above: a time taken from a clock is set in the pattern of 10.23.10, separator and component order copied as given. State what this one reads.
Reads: 9.56.10
